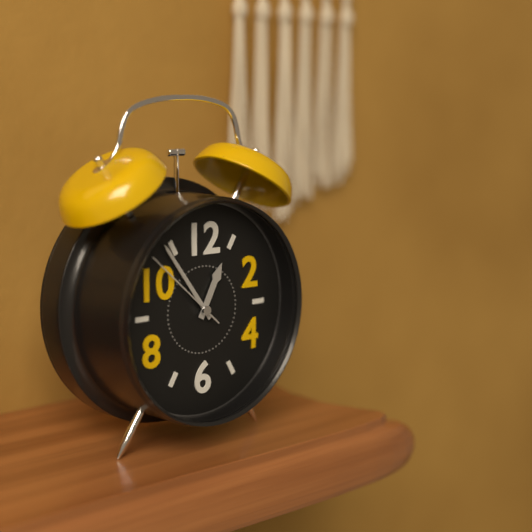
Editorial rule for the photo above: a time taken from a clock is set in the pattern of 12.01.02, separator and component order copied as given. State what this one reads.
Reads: 12.54.52
